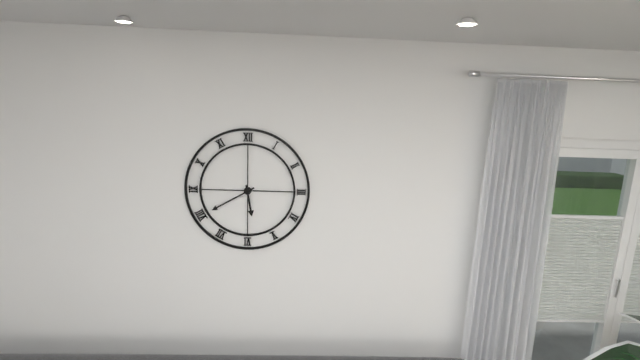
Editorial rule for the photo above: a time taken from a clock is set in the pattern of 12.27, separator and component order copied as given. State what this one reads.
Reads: 5.40
